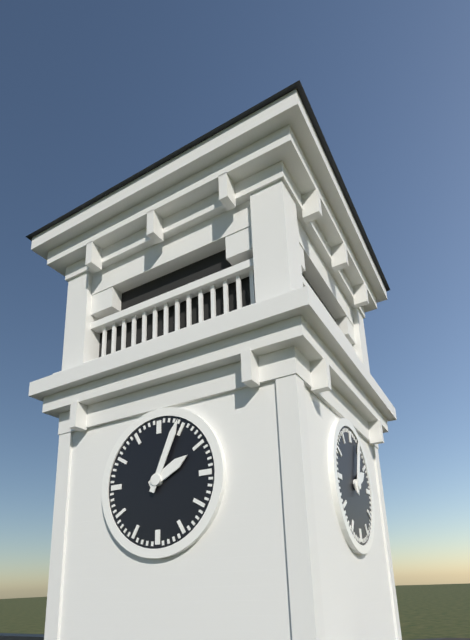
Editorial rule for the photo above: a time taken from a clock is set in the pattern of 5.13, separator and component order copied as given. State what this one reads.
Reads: 2.04
